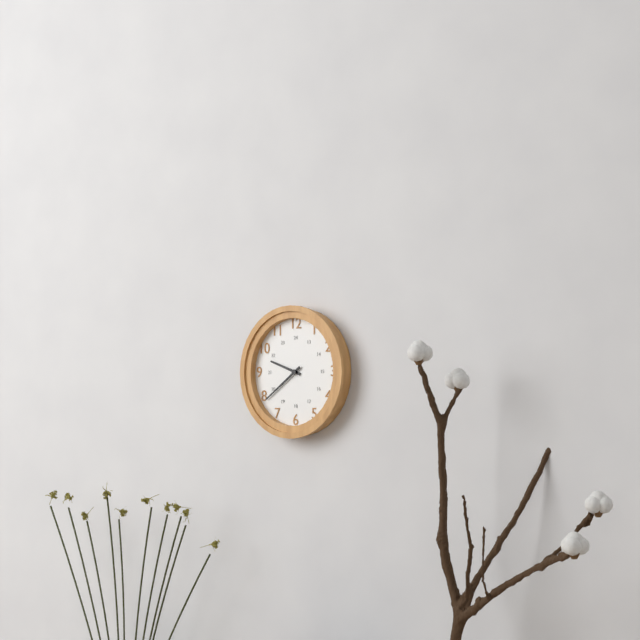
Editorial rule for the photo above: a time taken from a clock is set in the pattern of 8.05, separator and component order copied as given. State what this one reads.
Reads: 9.39
